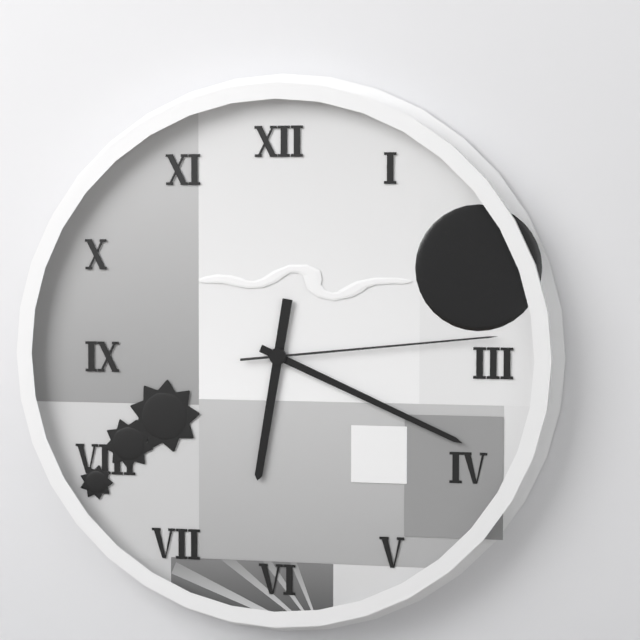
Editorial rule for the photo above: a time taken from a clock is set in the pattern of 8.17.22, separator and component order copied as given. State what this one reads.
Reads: 6.19.14
